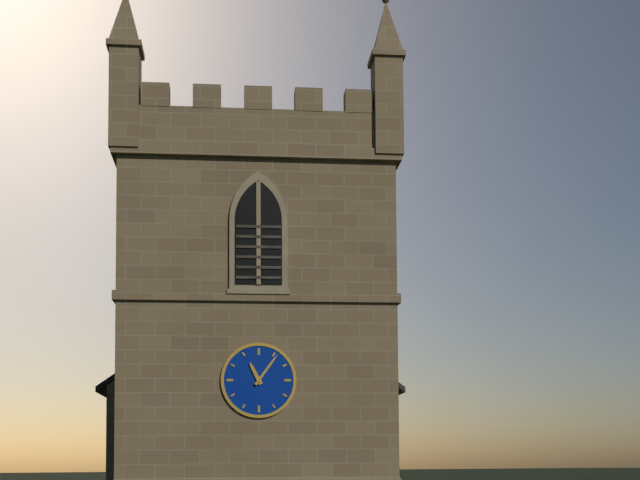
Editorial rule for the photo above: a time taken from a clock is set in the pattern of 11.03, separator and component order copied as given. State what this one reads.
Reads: 11.06
